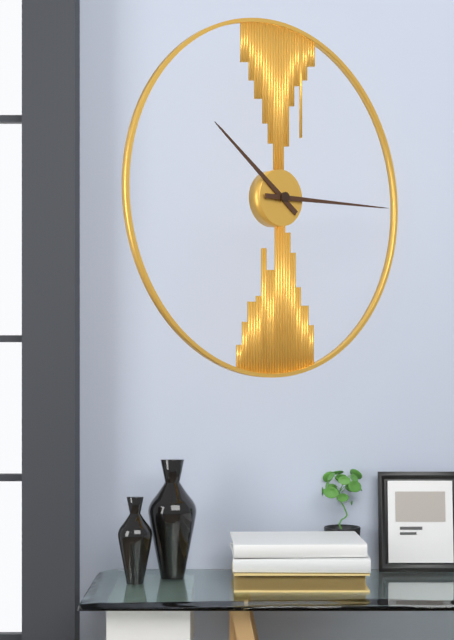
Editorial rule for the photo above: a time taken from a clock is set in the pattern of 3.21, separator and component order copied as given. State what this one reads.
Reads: 10.15
